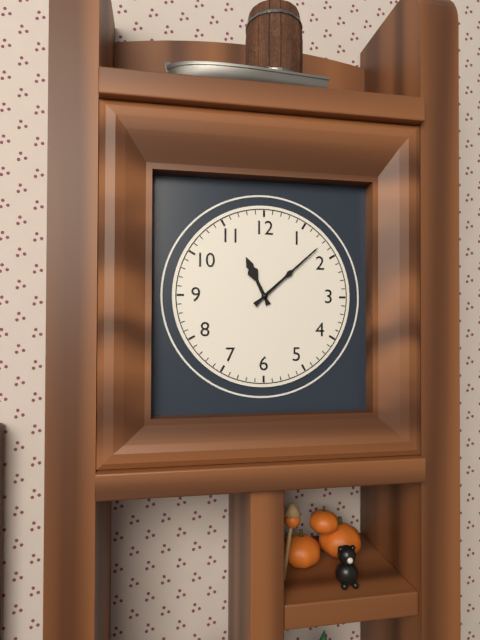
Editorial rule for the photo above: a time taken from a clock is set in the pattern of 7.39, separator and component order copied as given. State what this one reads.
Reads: 11.08
